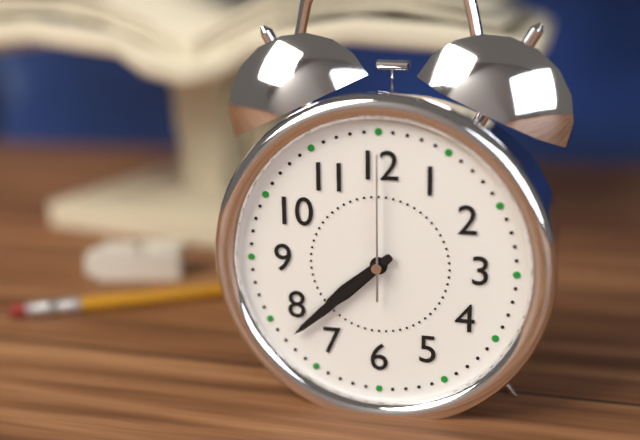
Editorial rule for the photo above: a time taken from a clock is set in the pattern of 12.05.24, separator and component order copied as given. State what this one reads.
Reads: 7.38.00
